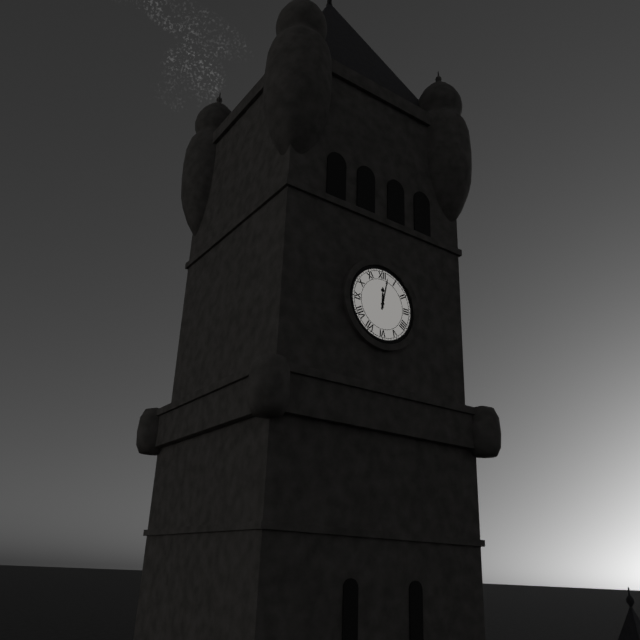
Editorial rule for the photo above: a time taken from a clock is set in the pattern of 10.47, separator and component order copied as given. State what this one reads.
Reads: 12.02
